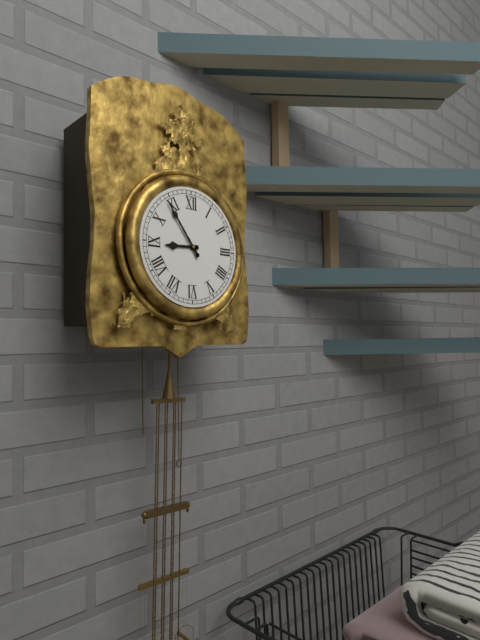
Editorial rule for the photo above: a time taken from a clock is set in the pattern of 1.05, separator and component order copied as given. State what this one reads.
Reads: 8.54
